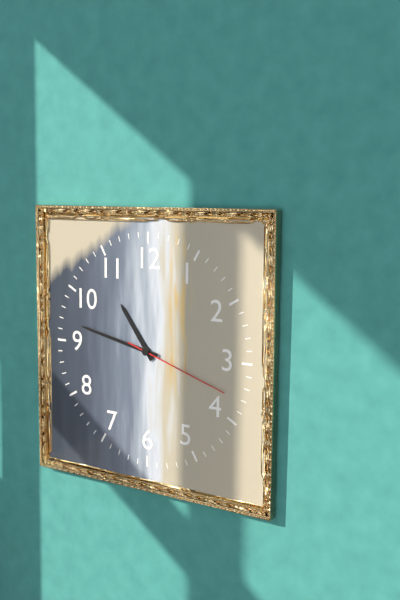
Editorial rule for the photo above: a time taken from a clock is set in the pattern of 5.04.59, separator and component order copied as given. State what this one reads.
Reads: 10.47.18
